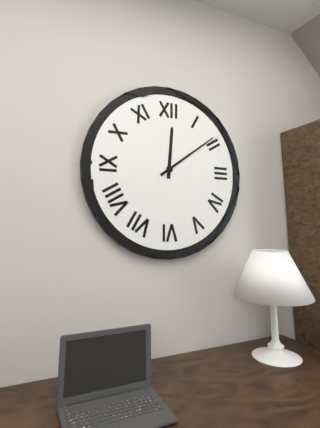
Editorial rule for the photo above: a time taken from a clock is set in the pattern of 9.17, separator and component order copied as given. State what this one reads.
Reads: 12.09
